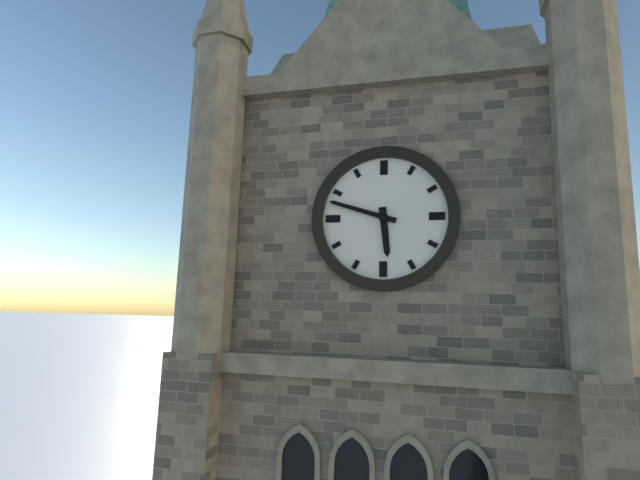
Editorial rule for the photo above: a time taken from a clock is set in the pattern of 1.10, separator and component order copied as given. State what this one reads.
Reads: 5.48
